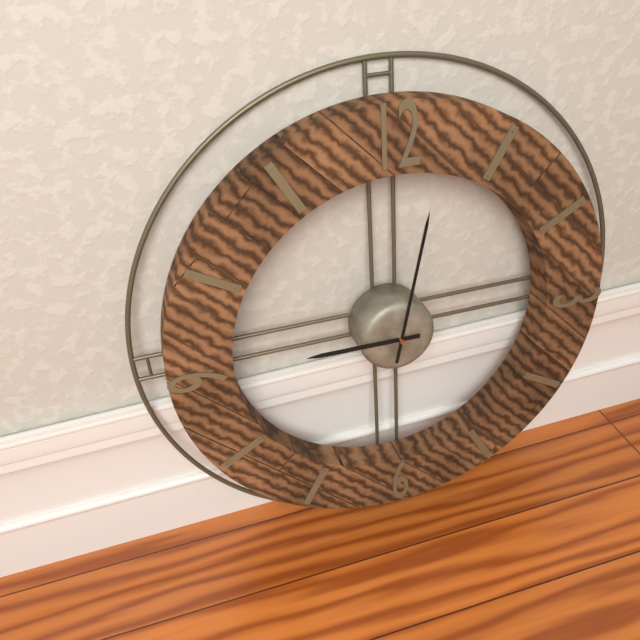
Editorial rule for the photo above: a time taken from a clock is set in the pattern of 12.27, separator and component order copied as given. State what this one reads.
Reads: 9.02
